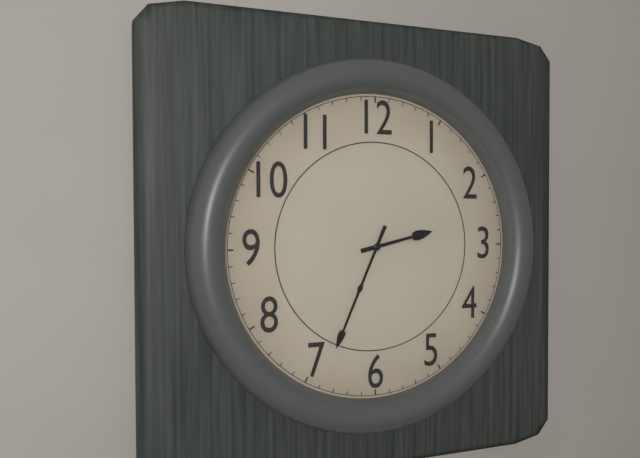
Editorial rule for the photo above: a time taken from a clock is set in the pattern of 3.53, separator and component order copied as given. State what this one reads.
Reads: 2.34
